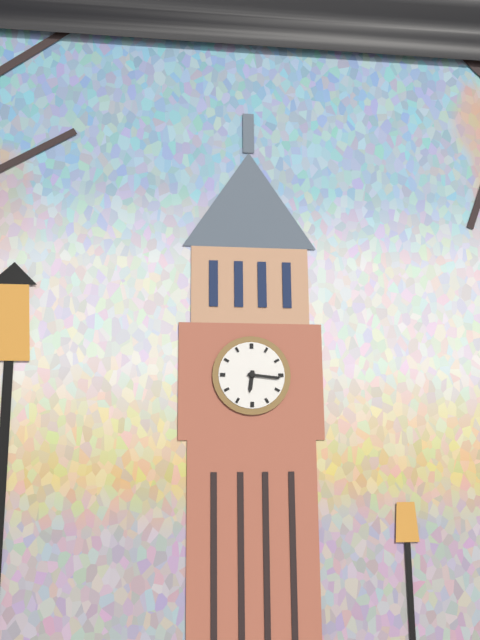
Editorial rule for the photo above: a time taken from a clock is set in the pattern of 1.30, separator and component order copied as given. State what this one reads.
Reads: 6.16
